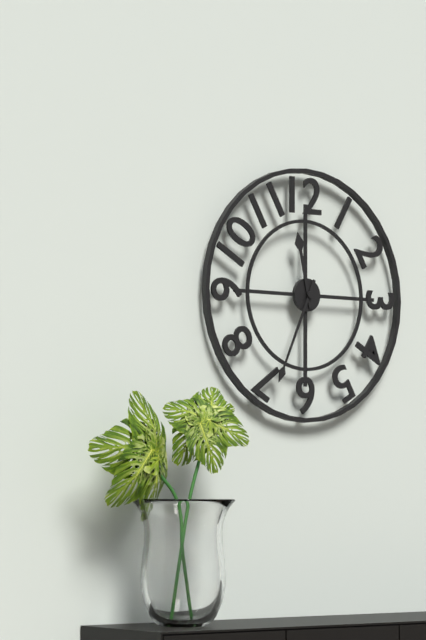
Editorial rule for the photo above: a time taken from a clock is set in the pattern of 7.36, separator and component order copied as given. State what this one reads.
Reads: 11.34
